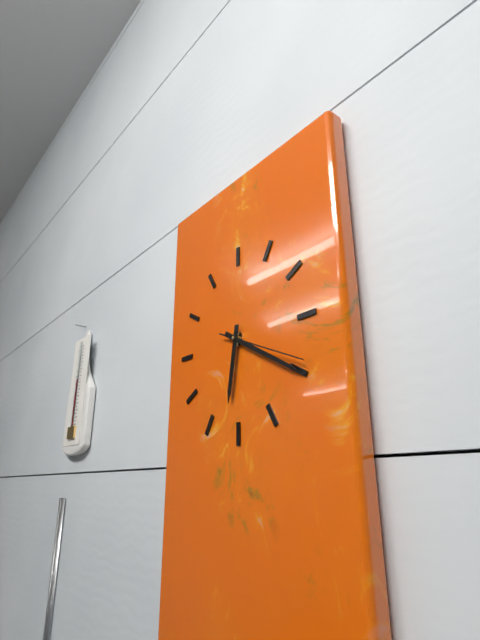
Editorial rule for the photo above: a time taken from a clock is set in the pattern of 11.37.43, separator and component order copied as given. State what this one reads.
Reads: 6.20.19
